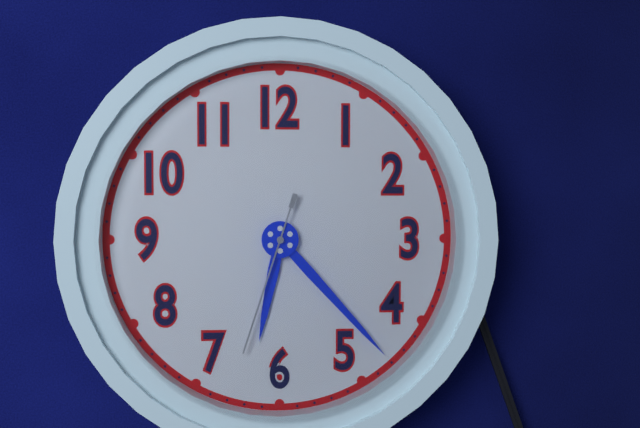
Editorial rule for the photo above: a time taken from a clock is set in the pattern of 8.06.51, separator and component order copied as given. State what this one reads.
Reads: 6.23.33
